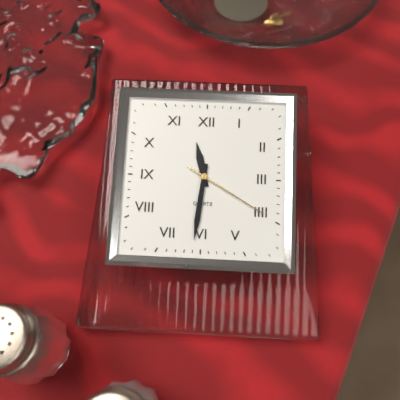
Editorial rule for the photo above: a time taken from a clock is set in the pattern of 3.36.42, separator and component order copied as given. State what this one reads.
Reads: 11.31.20
